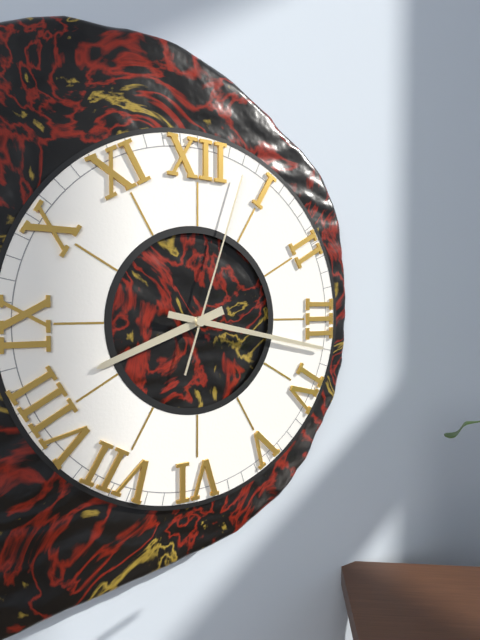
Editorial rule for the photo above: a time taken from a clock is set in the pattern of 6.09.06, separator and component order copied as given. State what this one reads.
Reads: 8.17.03
